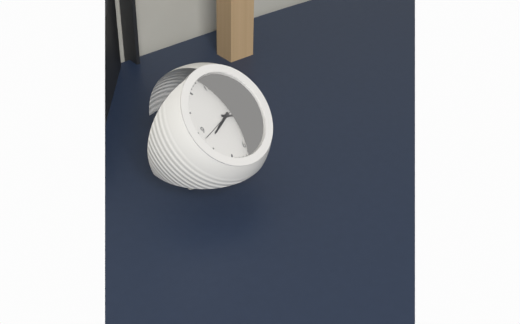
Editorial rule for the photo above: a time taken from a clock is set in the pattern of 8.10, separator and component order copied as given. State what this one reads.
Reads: 8.19
